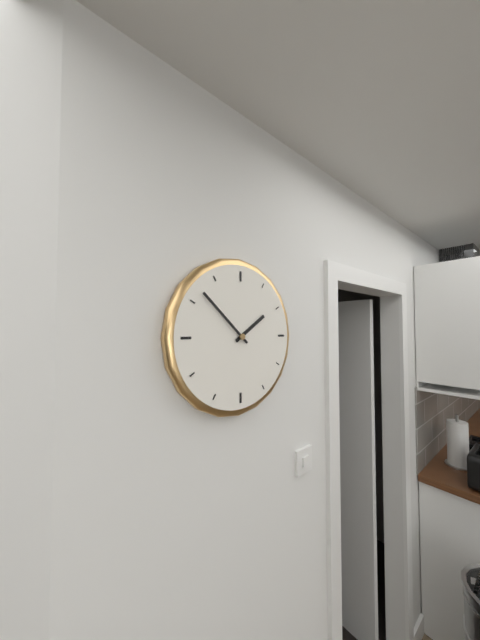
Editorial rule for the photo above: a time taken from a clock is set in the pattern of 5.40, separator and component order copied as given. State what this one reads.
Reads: 1.52
